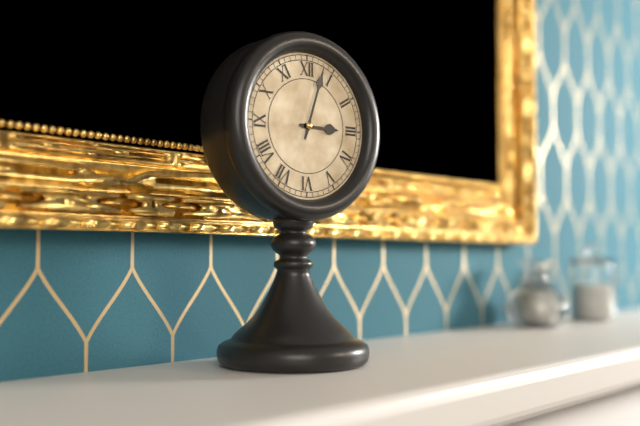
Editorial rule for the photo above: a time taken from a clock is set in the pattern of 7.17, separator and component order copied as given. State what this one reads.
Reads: 3.03
